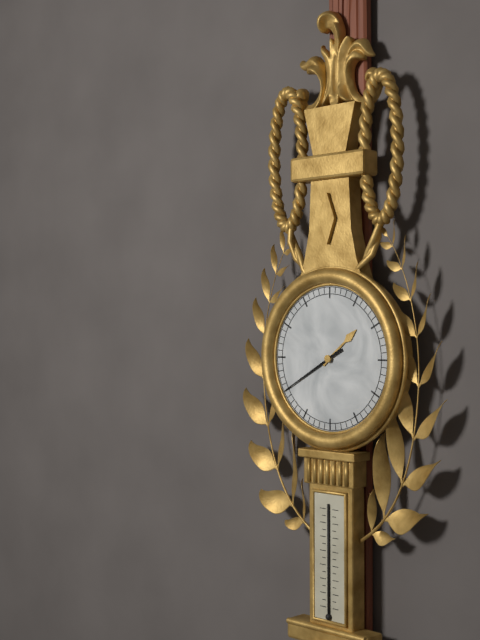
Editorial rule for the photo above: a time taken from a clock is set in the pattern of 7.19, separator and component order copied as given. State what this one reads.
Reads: 1.40
